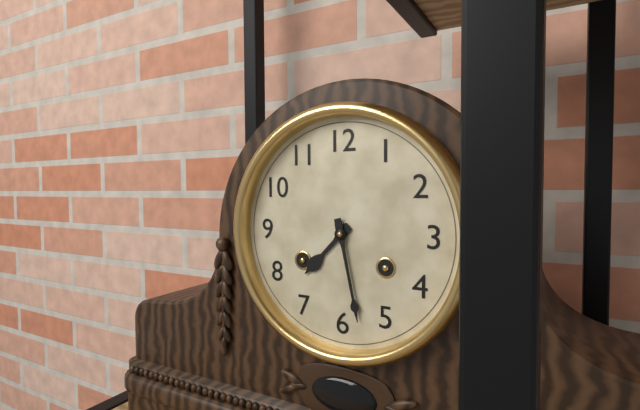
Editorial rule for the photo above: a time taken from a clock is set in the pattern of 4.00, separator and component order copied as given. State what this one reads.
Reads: 7.28
